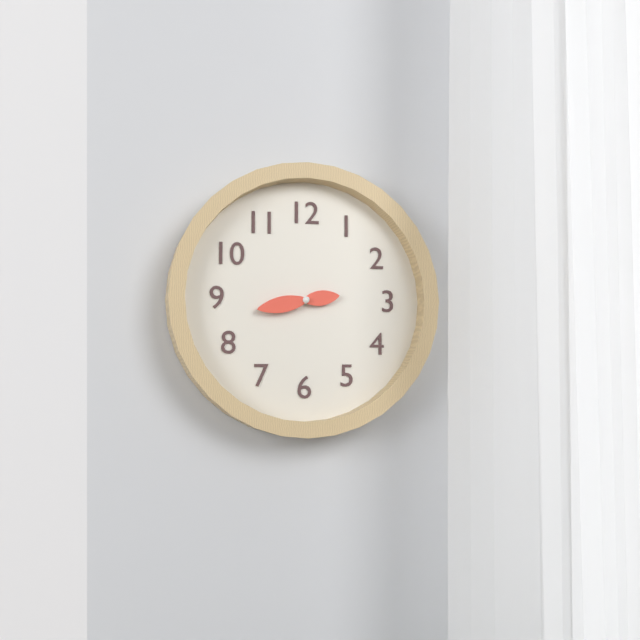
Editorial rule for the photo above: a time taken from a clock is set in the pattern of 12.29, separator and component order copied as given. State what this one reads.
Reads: 2.43
